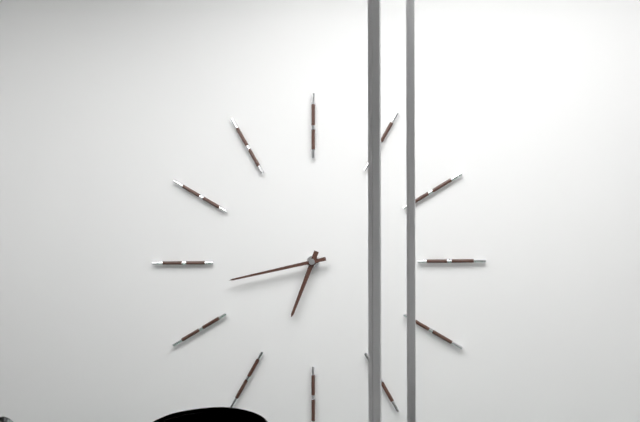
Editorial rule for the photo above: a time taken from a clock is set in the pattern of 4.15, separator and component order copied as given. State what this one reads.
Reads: 6.43
